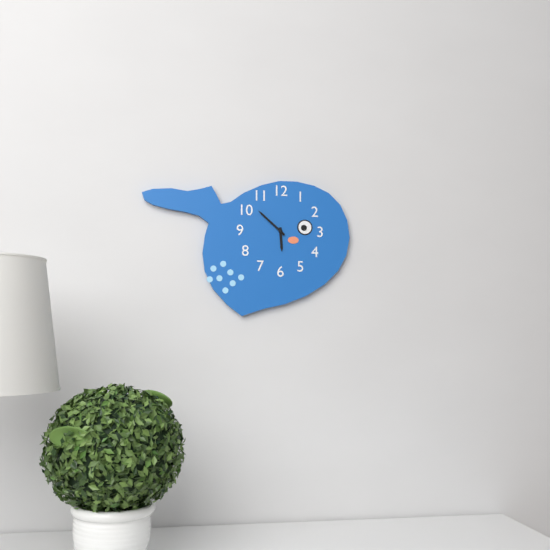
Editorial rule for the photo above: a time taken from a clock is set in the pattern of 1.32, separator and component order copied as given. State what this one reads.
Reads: 5.52
